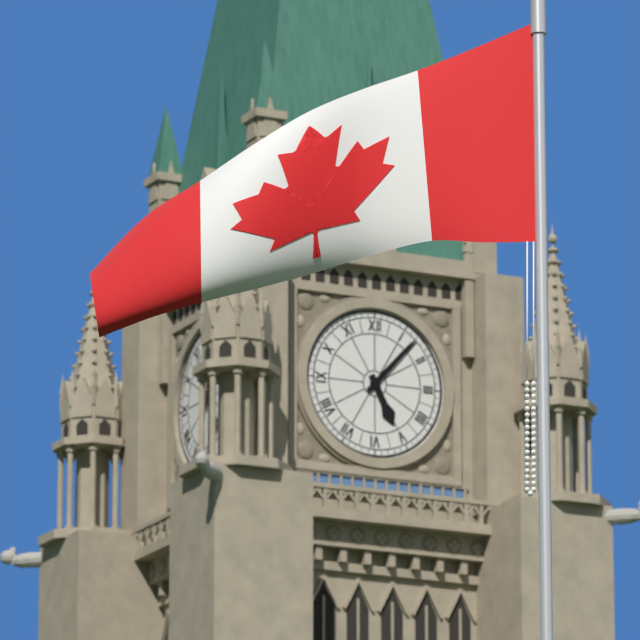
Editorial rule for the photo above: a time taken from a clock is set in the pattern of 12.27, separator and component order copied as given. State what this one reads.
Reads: 5.07
